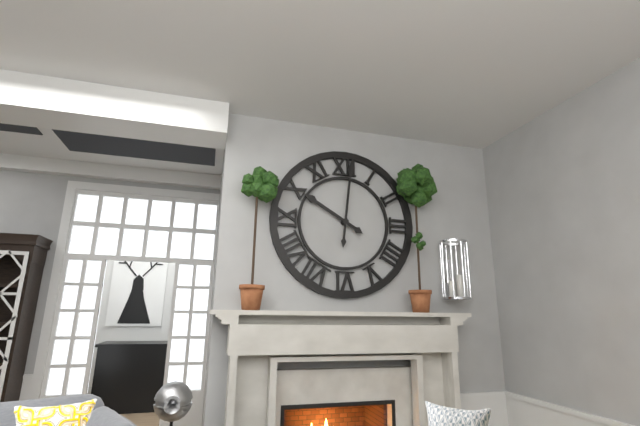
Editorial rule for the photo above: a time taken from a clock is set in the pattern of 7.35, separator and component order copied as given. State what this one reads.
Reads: 10.01
